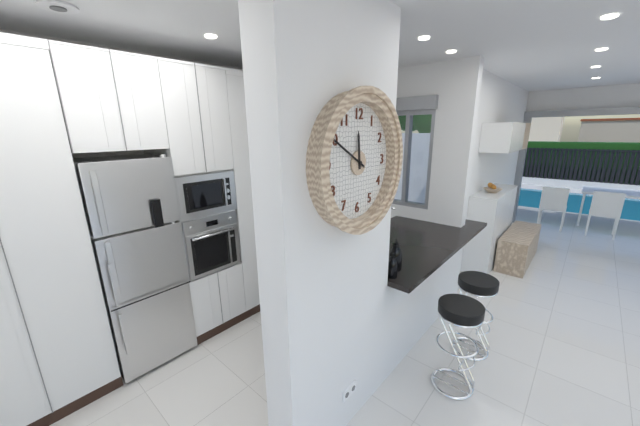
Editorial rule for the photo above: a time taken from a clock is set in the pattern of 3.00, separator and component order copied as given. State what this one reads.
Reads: 11.50
